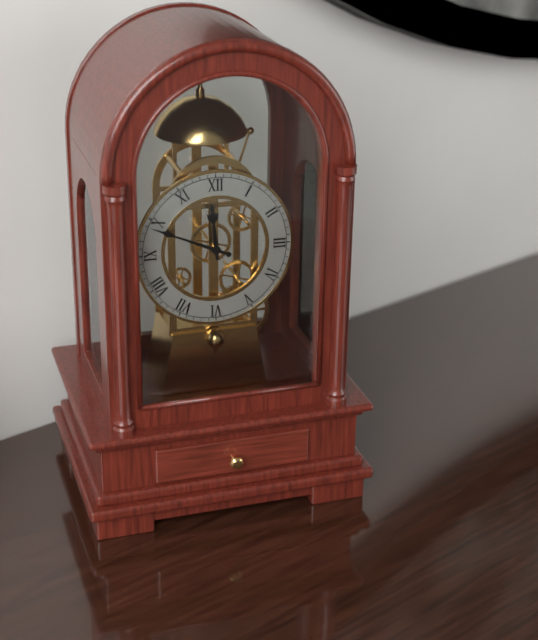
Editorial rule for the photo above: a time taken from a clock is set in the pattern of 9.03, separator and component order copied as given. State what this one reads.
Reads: 11.49
